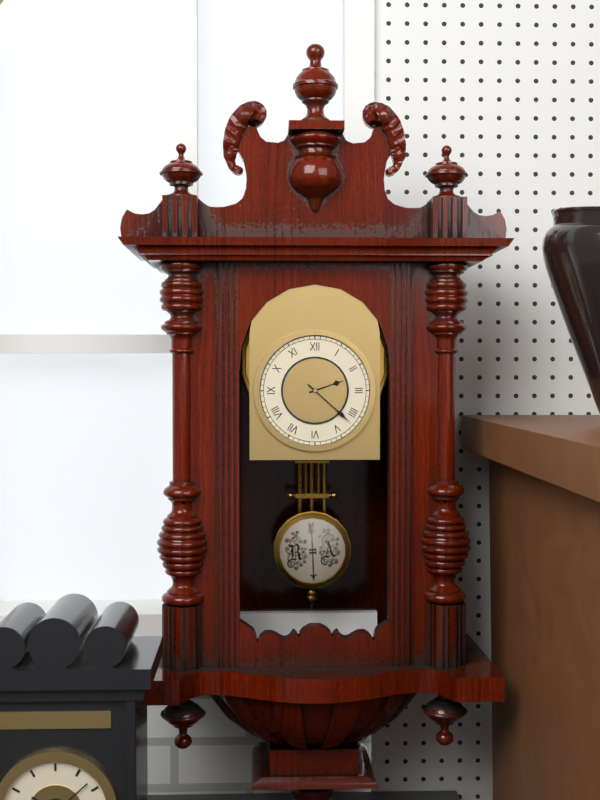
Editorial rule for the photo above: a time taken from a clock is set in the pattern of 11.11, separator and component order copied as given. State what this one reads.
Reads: 2.22
